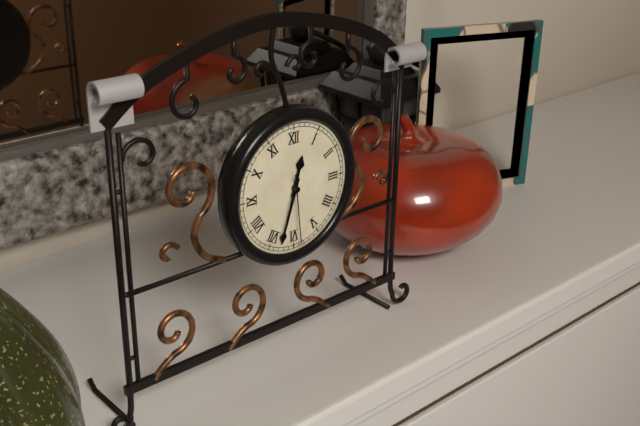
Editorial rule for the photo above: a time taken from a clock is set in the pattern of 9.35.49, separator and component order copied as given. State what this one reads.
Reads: 12.33.29
